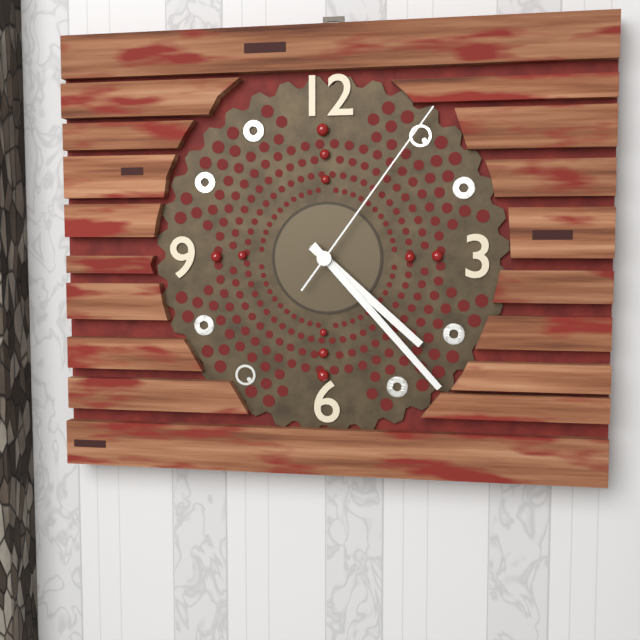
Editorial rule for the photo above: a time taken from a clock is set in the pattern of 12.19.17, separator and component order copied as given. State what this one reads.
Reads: 4.23.06
